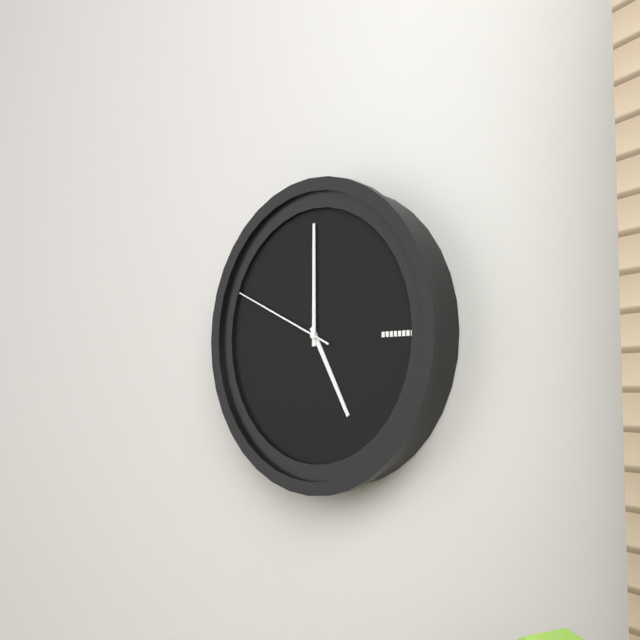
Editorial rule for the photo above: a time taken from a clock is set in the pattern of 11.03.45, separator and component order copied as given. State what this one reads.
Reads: 5.00.49
